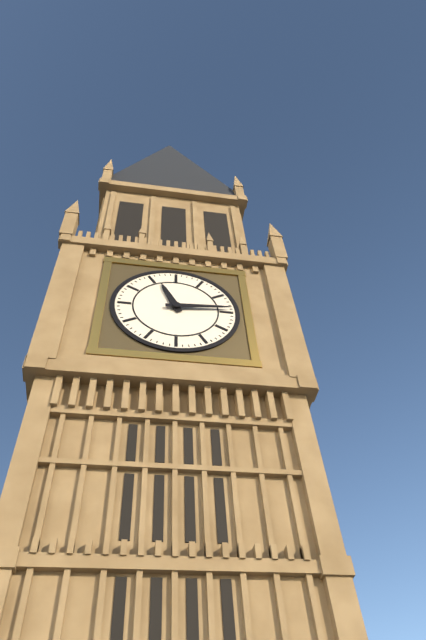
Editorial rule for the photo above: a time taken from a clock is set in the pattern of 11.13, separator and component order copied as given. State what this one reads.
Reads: 11.14
